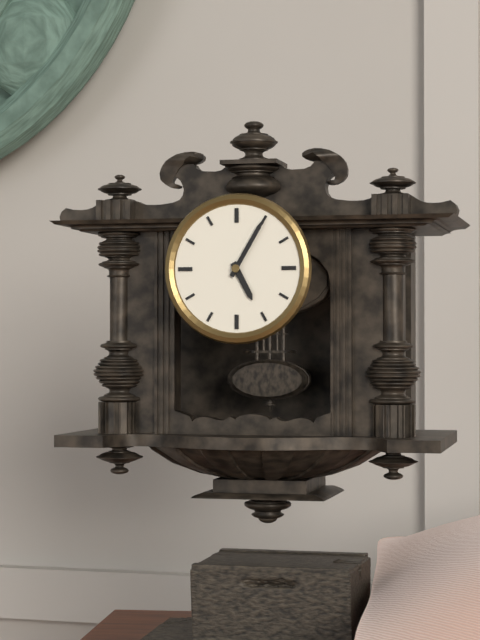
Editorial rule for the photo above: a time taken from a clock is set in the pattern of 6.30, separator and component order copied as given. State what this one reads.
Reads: 5.05
